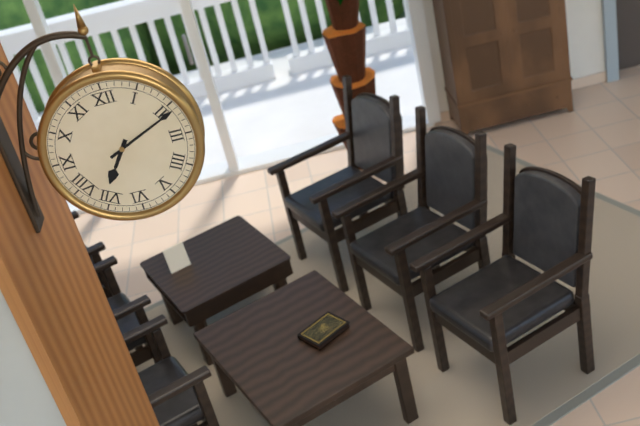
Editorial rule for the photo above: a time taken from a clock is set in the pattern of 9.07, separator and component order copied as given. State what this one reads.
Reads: 7.11
